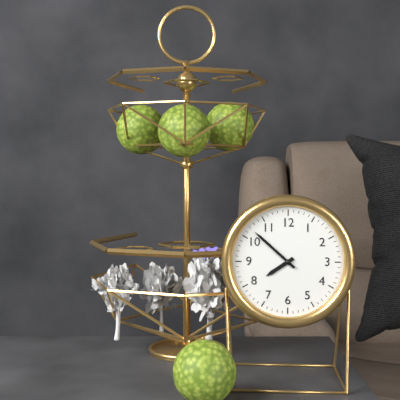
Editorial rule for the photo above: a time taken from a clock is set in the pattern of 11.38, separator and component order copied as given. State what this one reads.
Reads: 7.52
